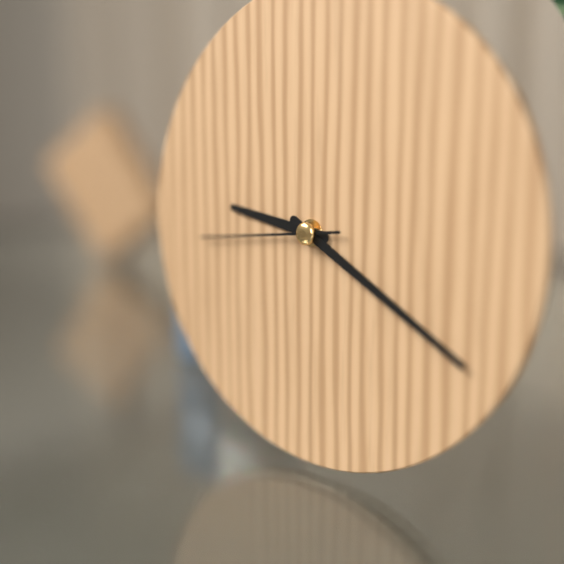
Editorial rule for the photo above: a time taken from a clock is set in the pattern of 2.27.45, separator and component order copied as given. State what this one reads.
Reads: 9.20.44
